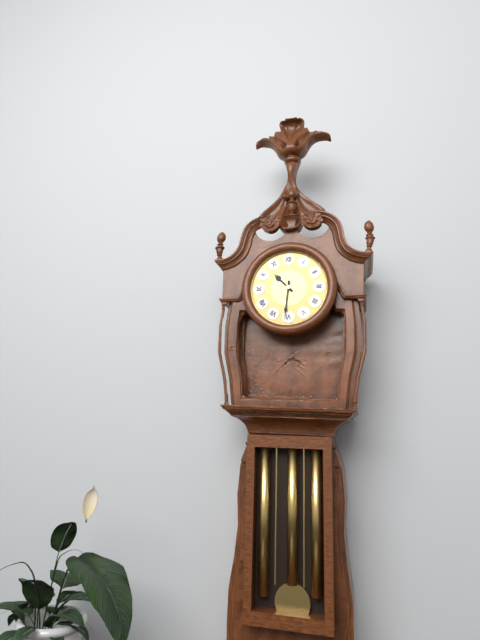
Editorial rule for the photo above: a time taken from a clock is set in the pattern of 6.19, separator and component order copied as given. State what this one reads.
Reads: 10.31
